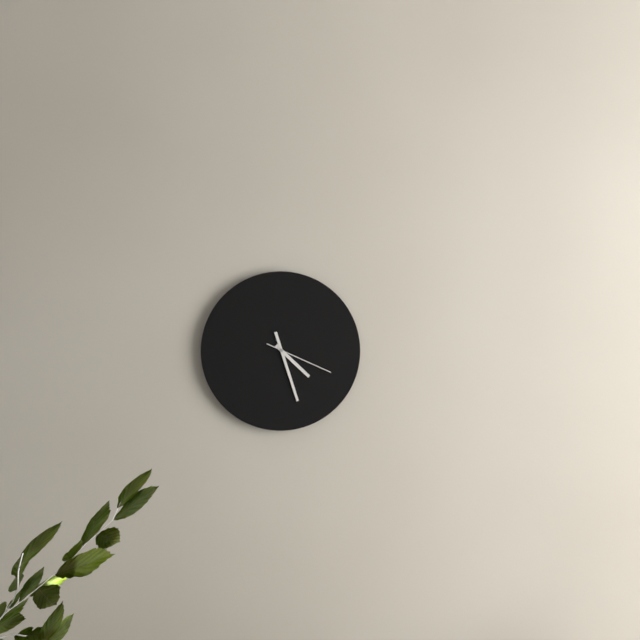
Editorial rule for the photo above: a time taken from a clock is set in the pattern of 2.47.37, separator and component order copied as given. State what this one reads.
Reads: 4.27.19
